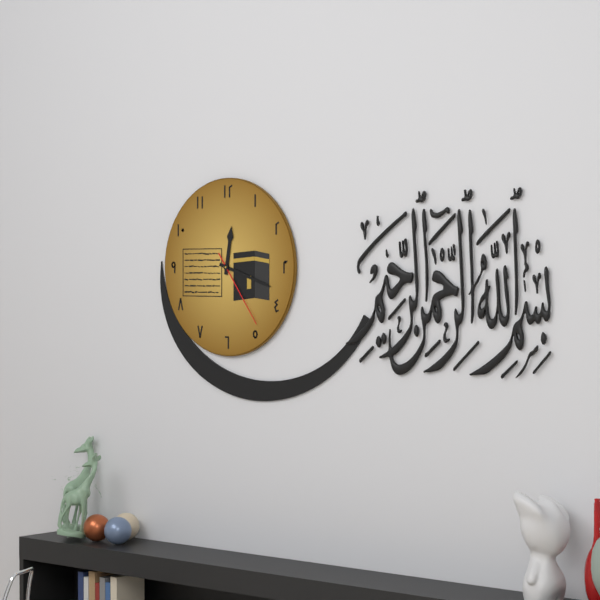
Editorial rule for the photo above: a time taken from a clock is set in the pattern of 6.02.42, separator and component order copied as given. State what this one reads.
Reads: 12.18.24
